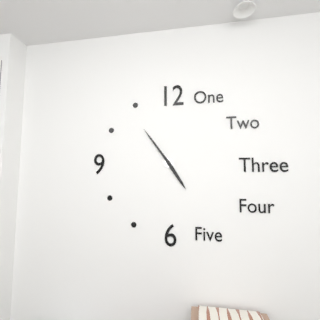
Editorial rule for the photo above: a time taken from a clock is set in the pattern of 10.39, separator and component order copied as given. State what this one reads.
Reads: 4.54
